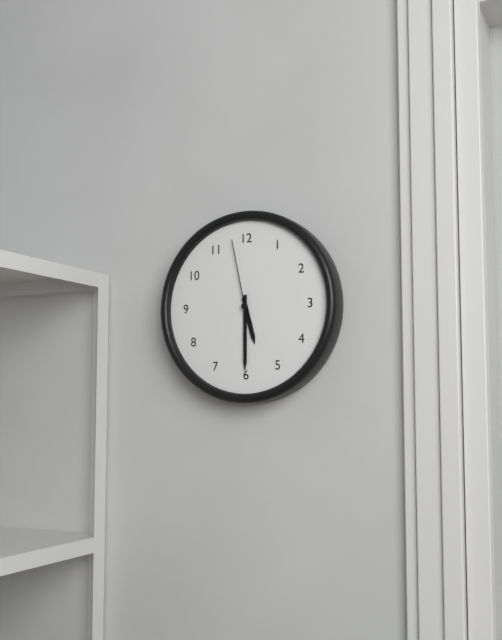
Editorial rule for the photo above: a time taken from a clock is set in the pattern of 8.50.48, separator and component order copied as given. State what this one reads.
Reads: 5.30.58
